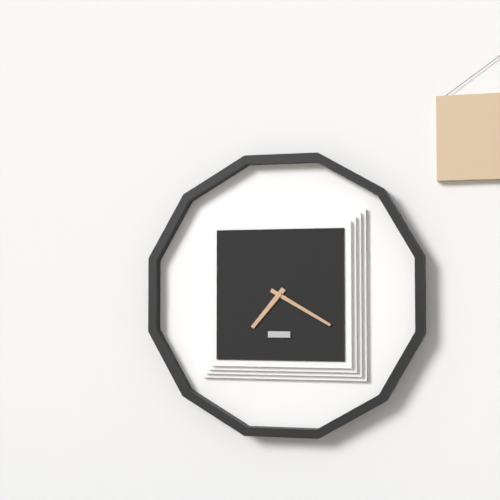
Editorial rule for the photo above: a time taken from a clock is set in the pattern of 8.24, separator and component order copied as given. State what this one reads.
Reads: 7.20
